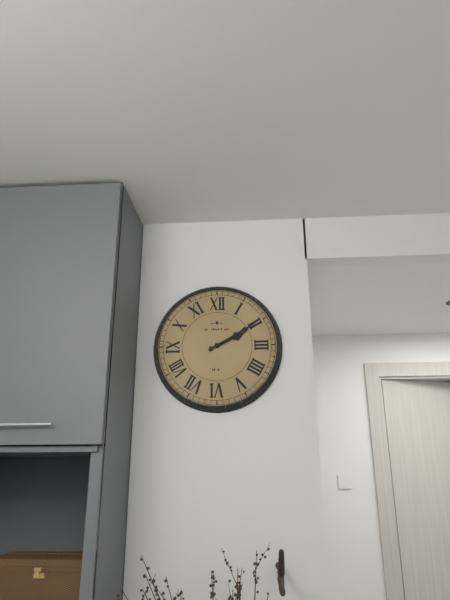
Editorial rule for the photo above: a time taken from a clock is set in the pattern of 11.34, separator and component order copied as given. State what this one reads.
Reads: 2.10
